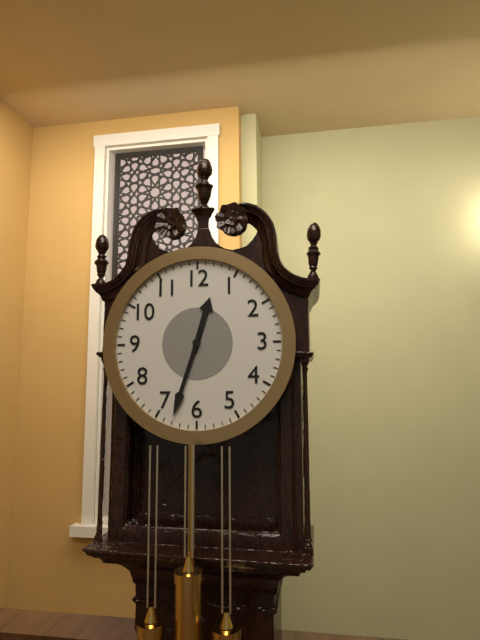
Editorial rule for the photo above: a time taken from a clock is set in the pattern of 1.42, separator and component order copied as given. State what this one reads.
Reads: 12.33
